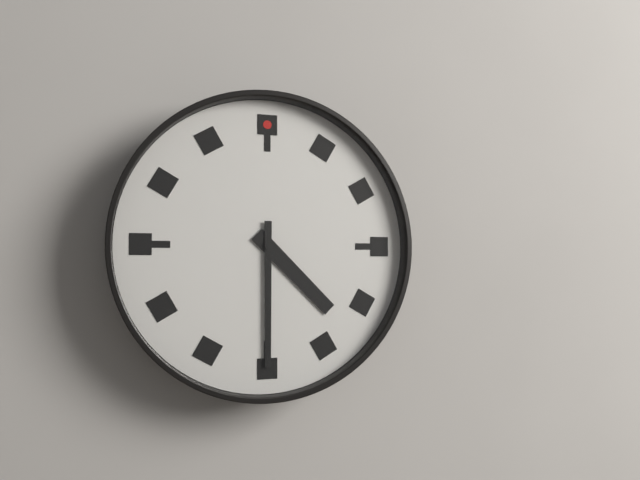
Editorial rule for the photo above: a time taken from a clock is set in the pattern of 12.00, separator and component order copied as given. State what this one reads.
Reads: 4.30
